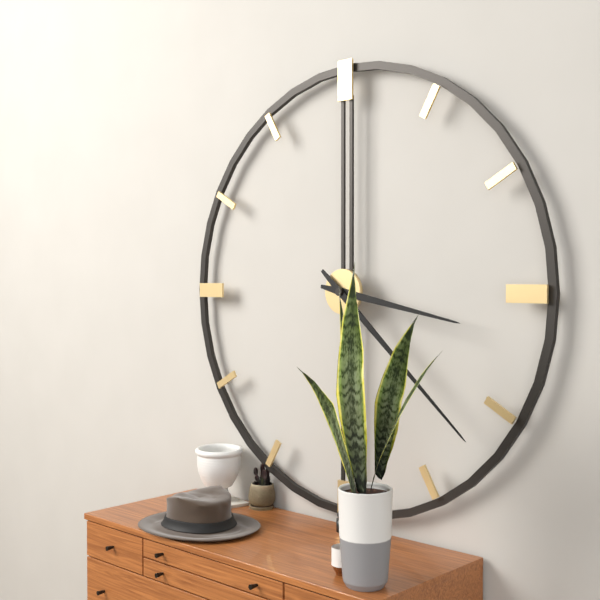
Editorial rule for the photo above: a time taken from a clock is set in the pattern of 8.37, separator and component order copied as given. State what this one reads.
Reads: 3.22
